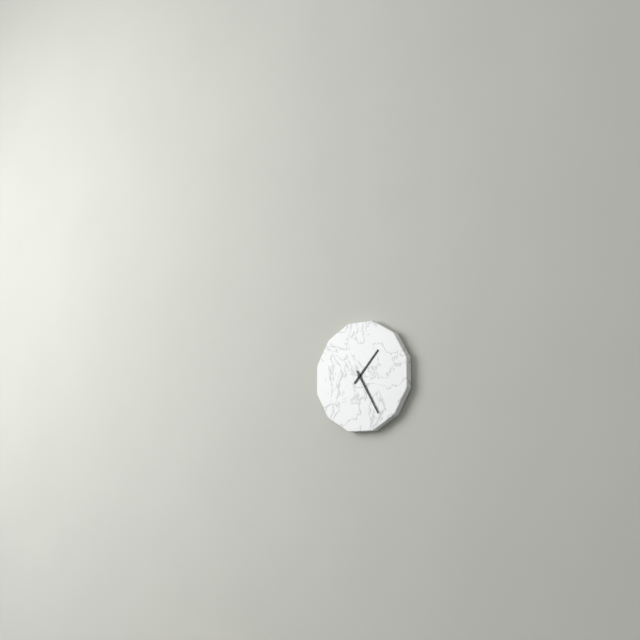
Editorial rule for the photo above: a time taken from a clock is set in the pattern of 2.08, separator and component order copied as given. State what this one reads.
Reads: 1.25
